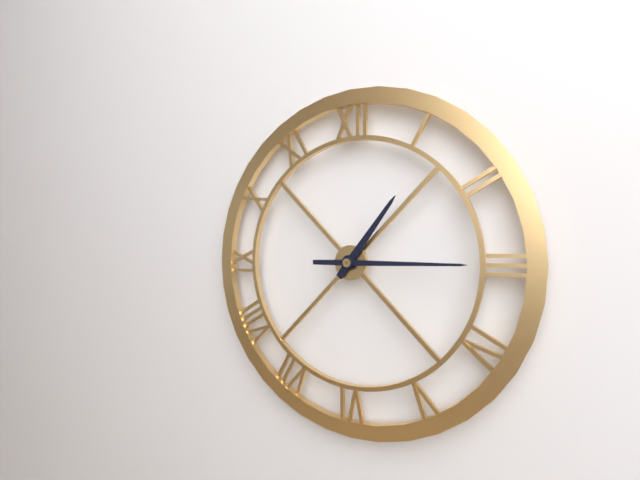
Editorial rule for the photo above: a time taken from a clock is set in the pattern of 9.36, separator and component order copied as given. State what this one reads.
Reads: 1.15
